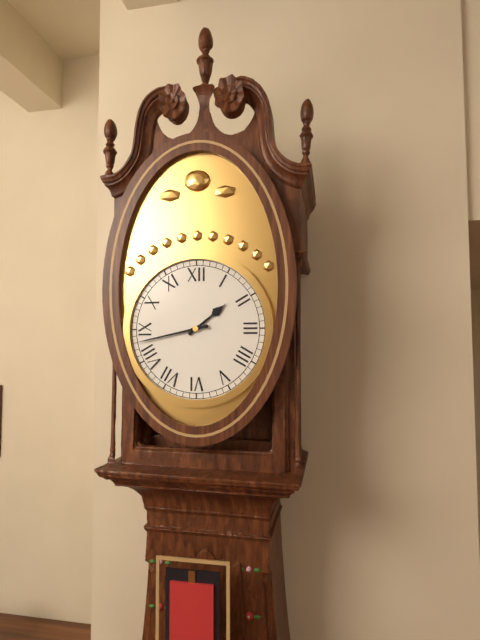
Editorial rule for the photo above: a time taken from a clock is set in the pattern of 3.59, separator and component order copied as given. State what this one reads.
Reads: 1.43
